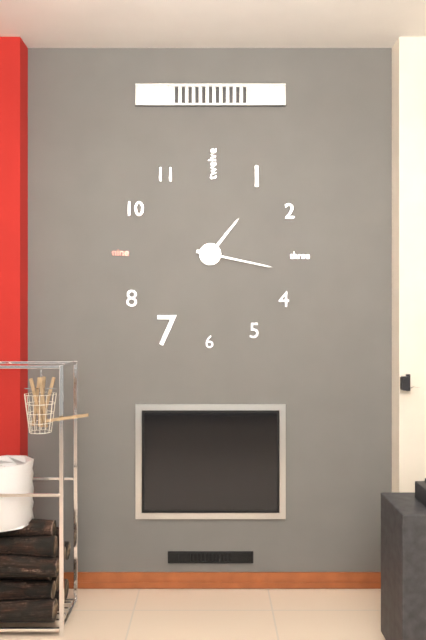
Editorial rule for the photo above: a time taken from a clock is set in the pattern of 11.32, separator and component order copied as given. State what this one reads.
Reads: 1.17
